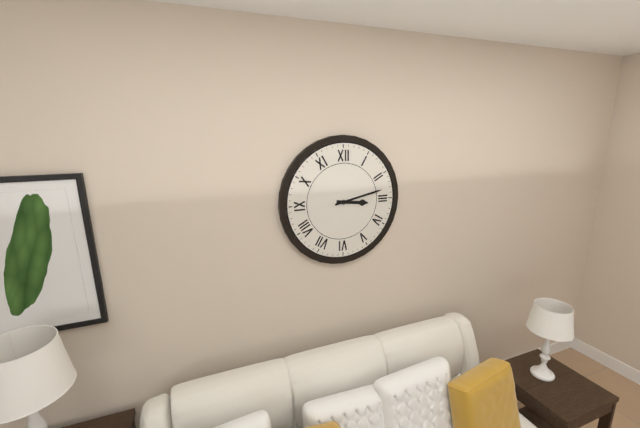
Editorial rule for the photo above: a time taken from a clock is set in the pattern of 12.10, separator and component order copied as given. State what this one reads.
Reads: 3.13
